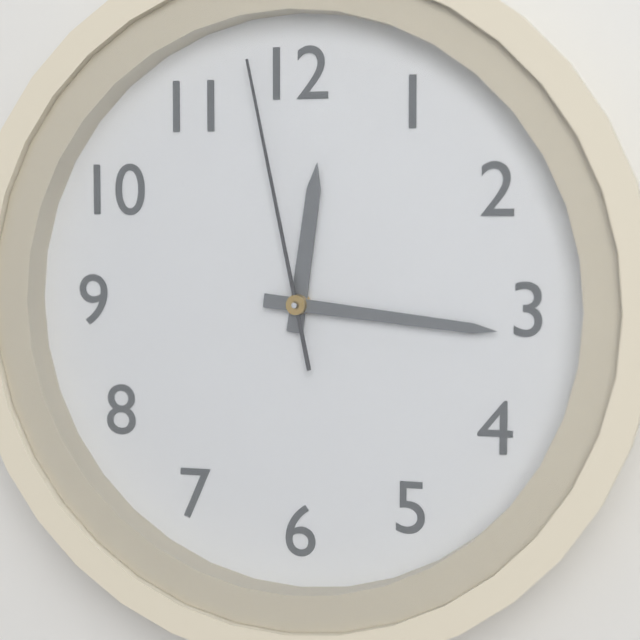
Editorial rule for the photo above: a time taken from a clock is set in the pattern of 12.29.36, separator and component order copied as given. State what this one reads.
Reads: 12.16.58
